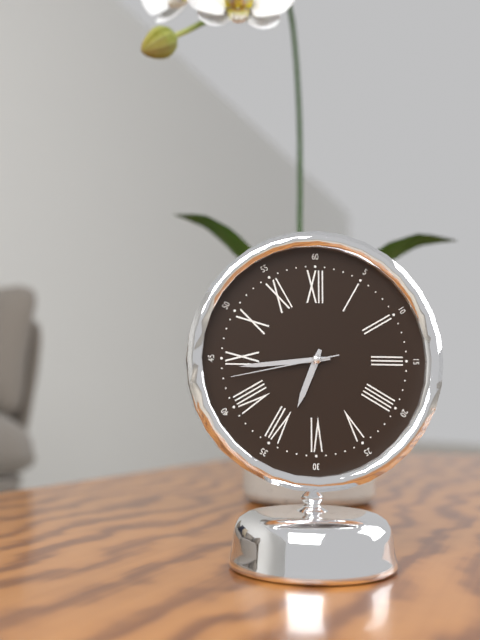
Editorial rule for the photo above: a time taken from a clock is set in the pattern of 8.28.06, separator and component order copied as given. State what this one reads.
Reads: 6.44.43
